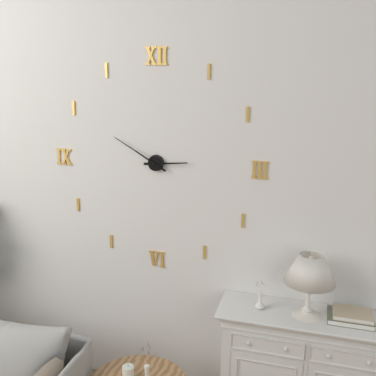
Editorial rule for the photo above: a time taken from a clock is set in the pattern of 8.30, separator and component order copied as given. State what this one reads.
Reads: 2.50
